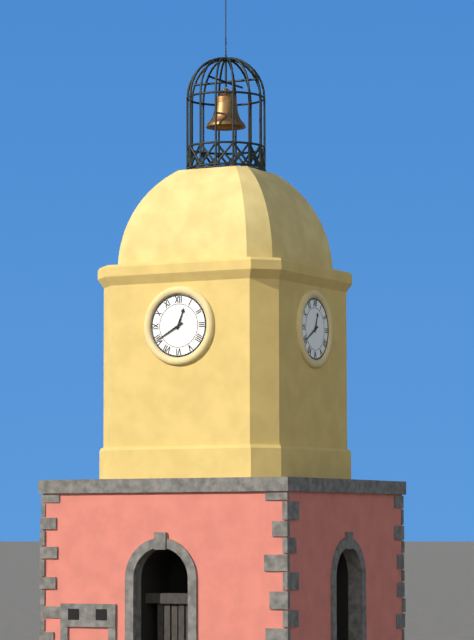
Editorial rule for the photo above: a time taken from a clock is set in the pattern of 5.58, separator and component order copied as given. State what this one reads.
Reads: 12.40
